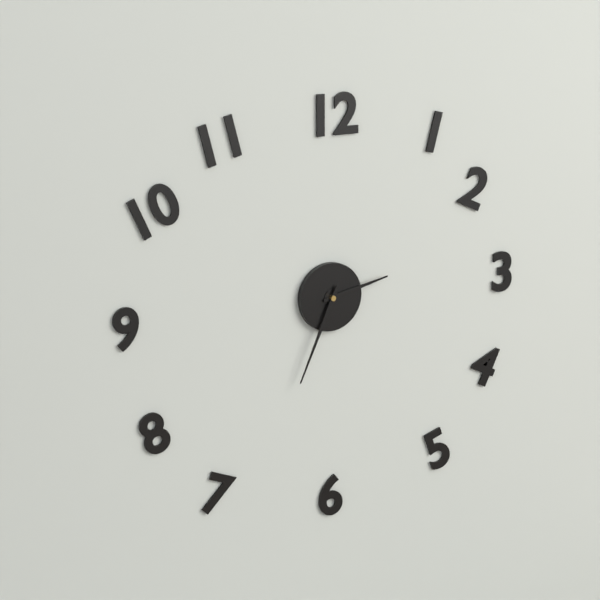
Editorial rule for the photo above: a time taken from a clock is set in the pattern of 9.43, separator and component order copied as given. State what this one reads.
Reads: 2.34
